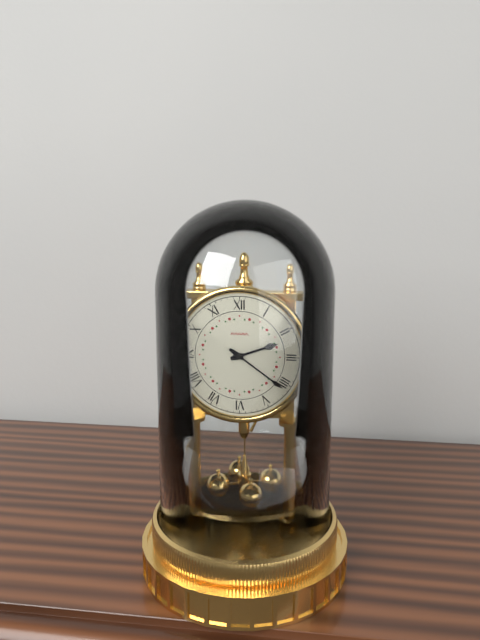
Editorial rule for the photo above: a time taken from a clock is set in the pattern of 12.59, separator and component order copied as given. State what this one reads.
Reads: 2.21
